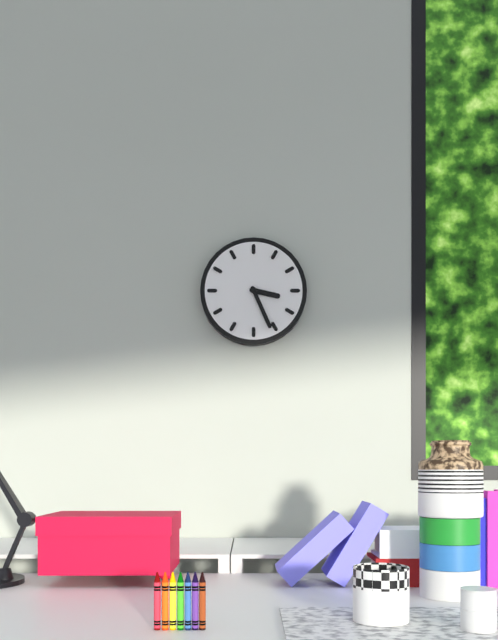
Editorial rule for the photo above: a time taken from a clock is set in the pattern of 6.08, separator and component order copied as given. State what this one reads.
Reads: 3.26
